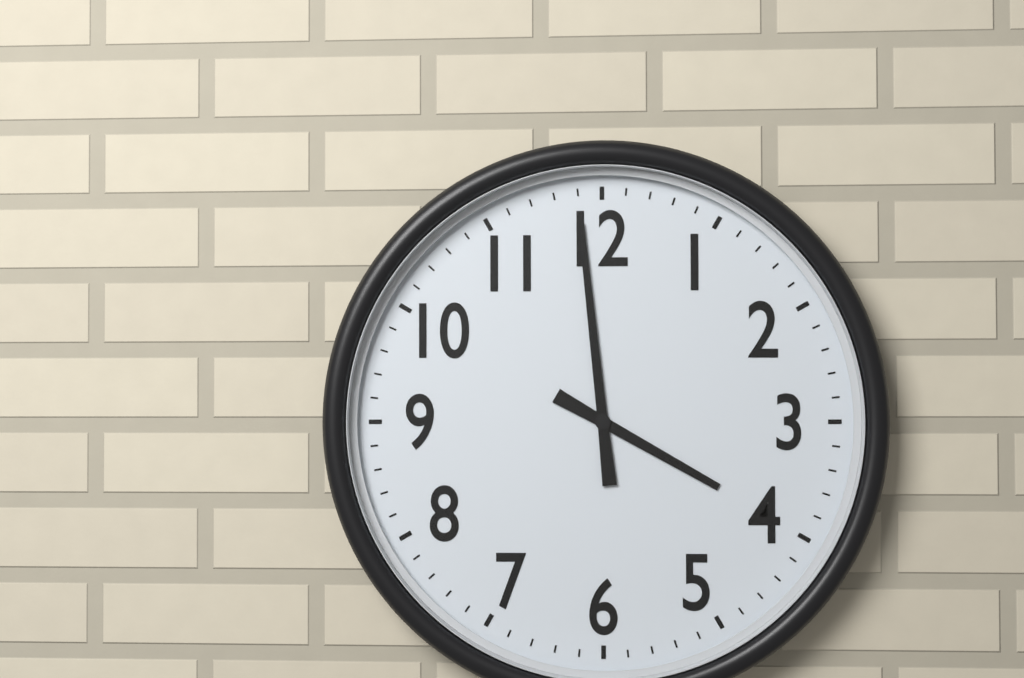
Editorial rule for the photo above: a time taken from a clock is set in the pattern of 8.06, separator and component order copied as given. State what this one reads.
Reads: 3.59
